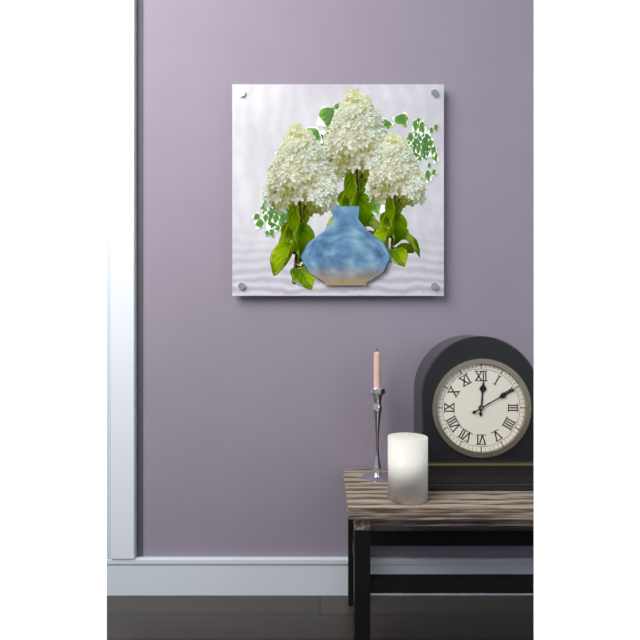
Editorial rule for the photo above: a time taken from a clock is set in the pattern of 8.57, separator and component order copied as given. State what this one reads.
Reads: 12.10
